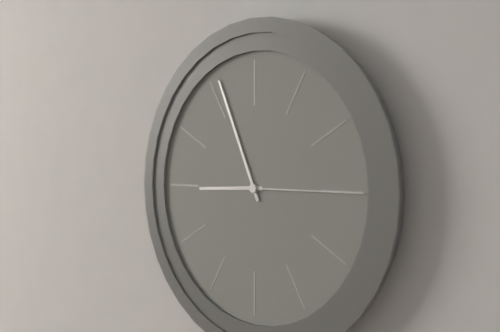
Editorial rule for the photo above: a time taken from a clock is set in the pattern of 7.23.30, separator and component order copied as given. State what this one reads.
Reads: 8.56.15
